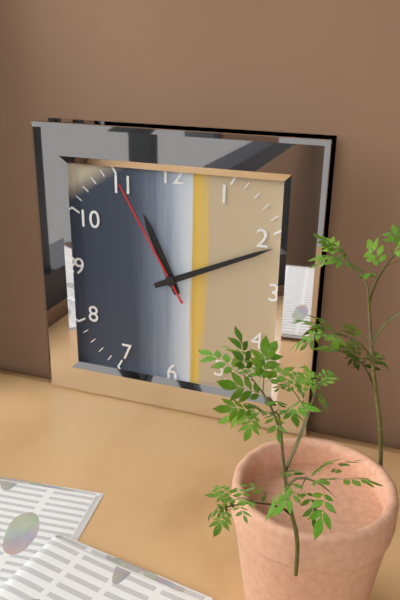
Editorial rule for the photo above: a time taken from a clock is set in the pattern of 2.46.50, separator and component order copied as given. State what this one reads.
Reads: 11.11.55
